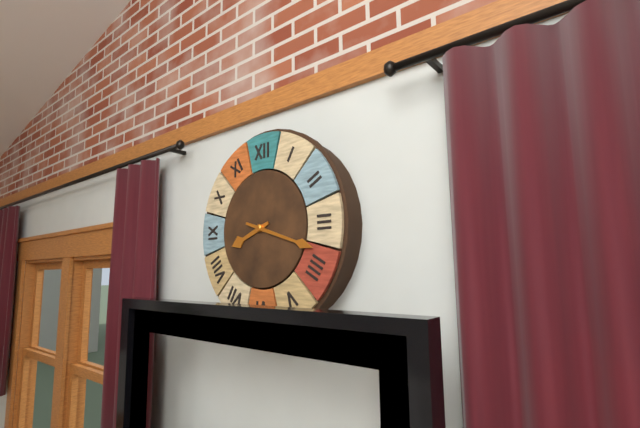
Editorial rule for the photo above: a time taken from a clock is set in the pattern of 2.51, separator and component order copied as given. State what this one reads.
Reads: 8.18
